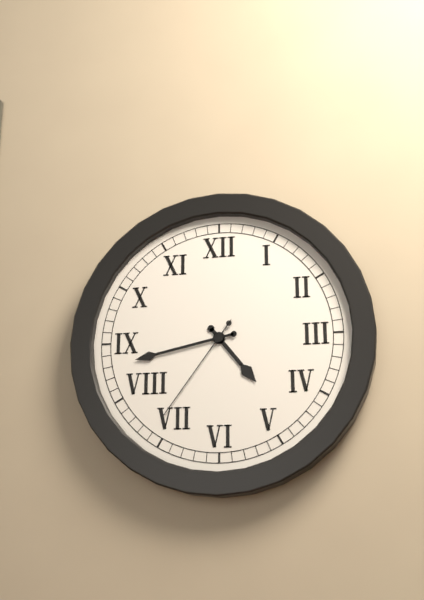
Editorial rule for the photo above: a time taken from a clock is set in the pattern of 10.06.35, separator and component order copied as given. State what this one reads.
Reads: 4.43.36
